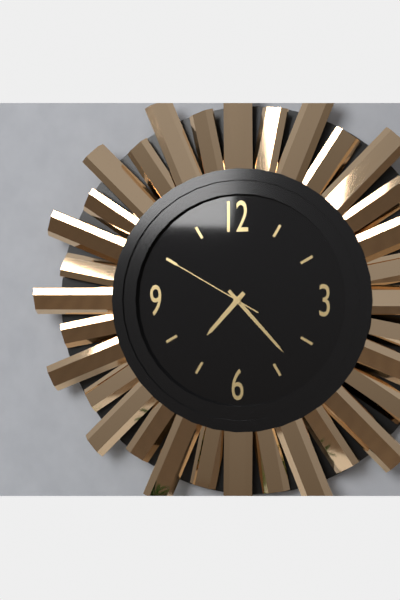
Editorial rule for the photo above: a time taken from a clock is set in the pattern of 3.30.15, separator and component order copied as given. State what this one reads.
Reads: 7.23.50
